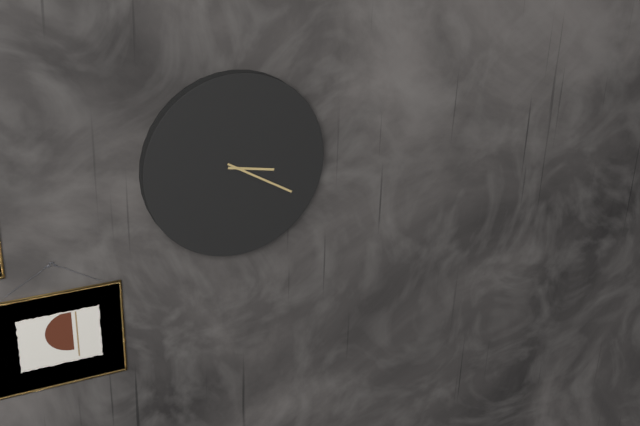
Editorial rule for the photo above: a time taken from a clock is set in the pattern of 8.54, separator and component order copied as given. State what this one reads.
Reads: 3.20
